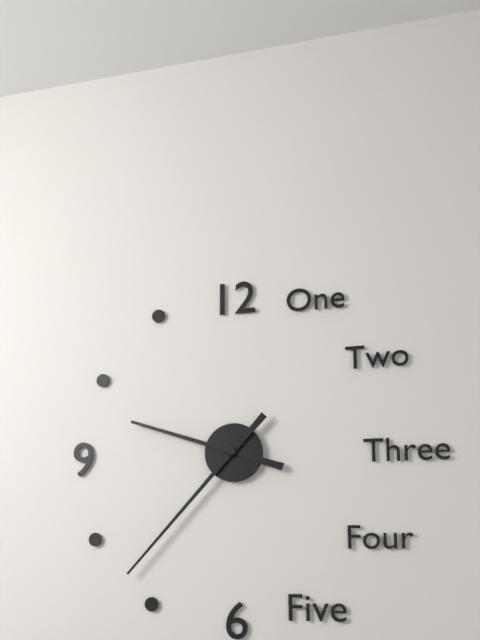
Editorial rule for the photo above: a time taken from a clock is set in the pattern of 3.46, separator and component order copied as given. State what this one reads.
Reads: 9.37
